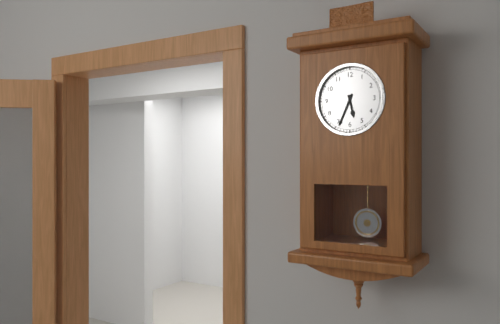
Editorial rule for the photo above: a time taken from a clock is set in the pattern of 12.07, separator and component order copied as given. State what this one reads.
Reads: 5.34
